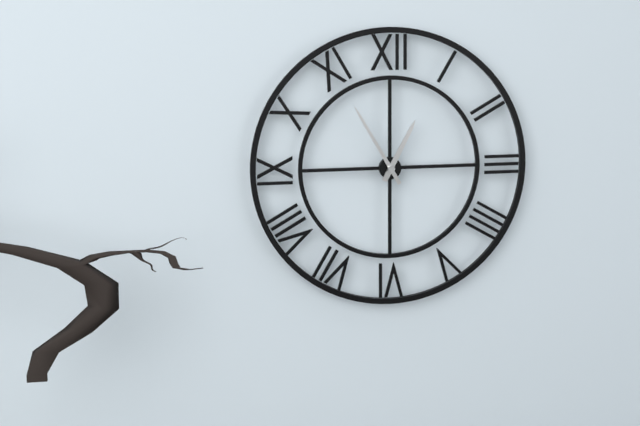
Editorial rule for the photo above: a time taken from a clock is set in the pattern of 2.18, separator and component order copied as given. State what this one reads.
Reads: 12.55
